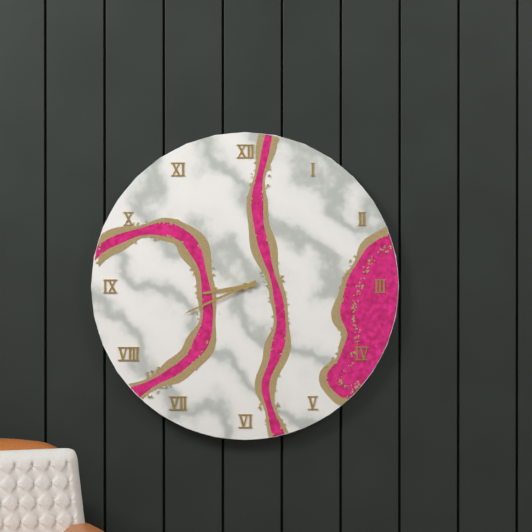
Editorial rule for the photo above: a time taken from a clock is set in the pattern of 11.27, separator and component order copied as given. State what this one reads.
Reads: 8.41
